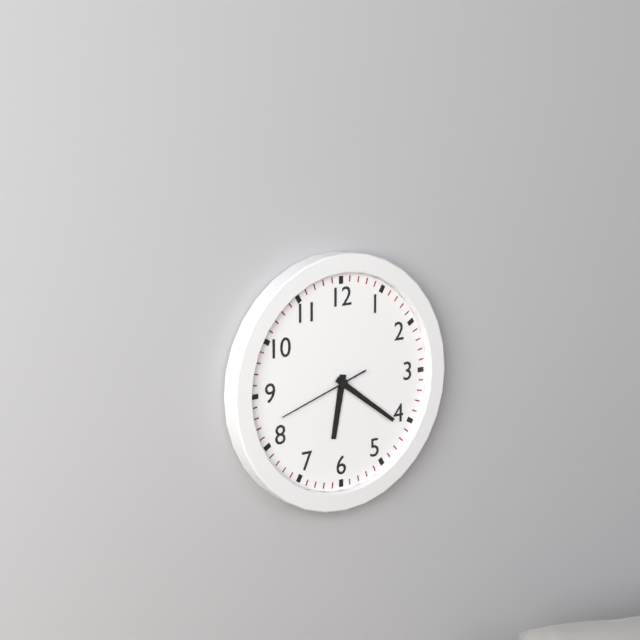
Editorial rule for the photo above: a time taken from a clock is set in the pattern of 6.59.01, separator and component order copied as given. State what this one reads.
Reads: 6.21.42
